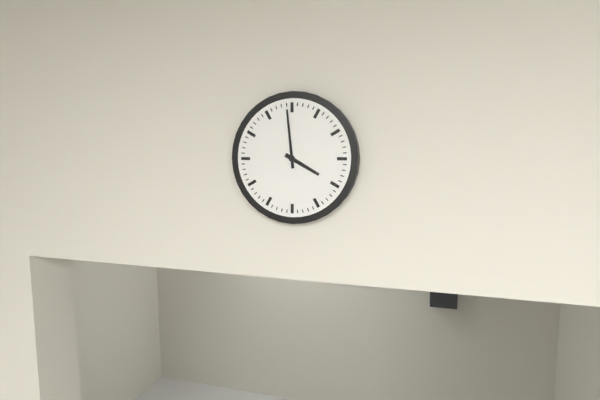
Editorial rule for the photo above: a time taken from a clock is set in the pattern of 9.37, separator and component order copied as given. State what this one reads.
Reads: 3.59
